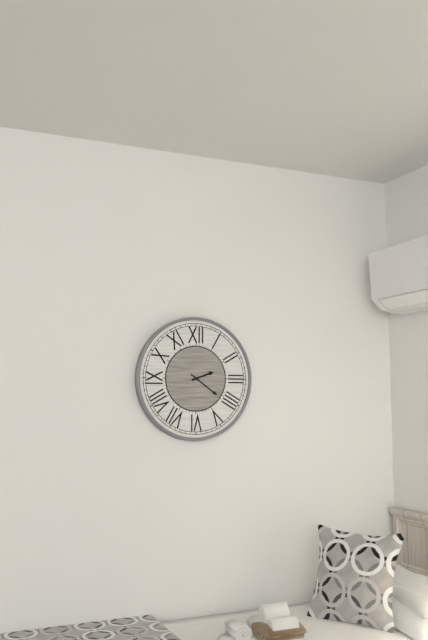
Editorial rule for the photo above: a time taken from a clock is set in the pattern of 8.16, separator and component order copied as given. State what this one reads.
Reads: 2.21
